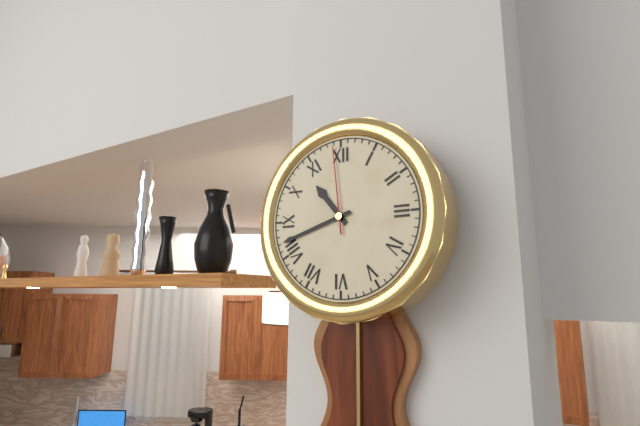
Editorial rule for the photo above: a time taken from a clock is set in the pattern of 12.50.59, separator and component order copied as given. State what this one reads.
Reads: 10.42.59
